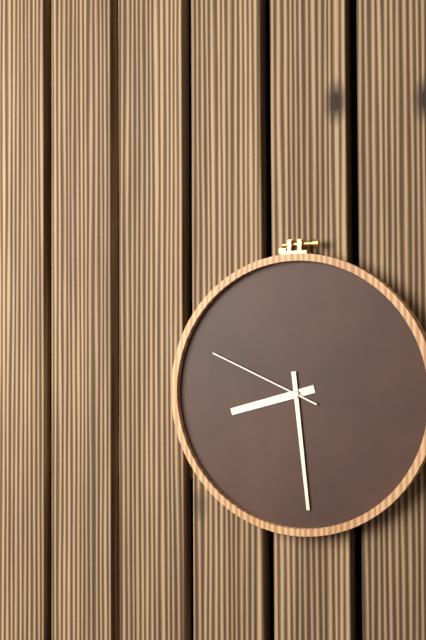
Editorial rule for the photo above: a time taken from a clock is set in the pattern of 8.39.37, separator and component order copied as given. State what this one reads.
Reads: 8.29.49
